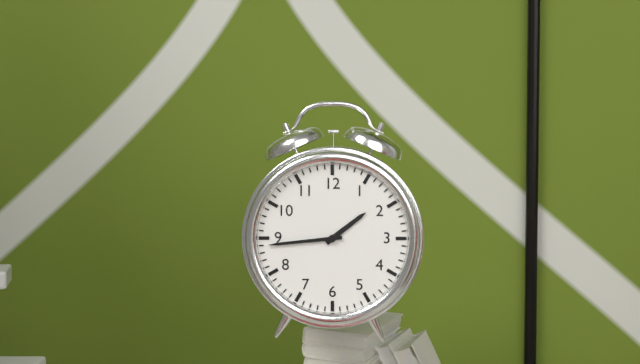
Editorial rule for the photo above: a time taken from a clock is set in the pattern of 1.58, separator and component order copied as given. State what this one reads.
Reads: 1.44
